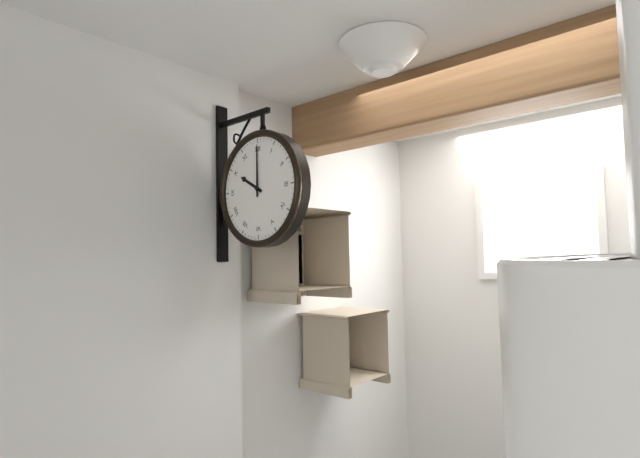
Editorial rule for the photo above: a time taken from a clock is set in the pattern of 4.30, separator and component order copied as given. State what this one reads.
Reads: 10.00
